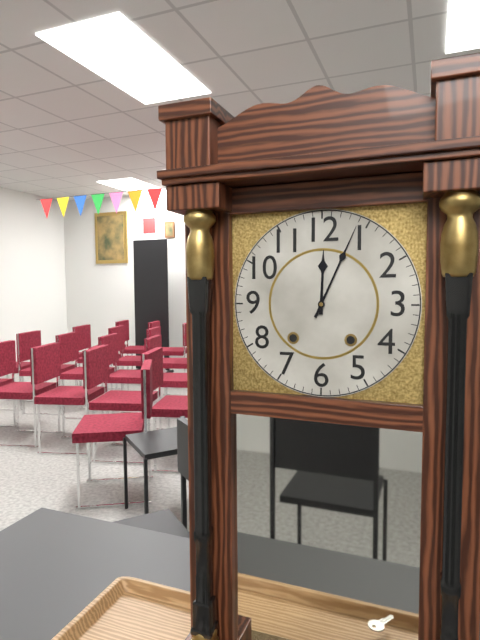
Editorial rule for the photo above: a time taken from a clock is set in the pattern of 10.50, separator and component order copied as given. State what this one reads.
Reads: 12.04
